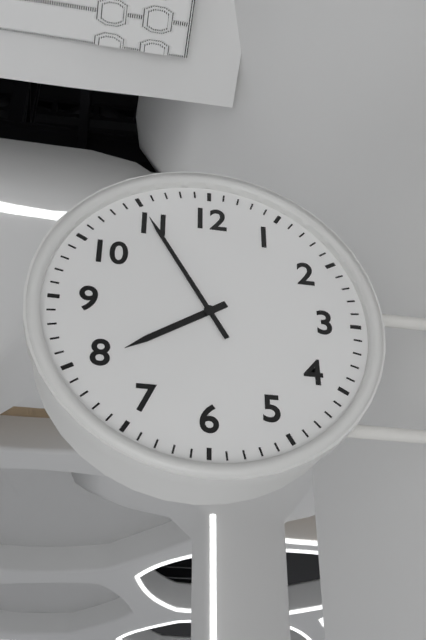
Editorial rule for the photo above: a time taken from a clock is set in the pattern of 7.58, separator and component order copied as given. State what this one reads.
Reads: 7.55
